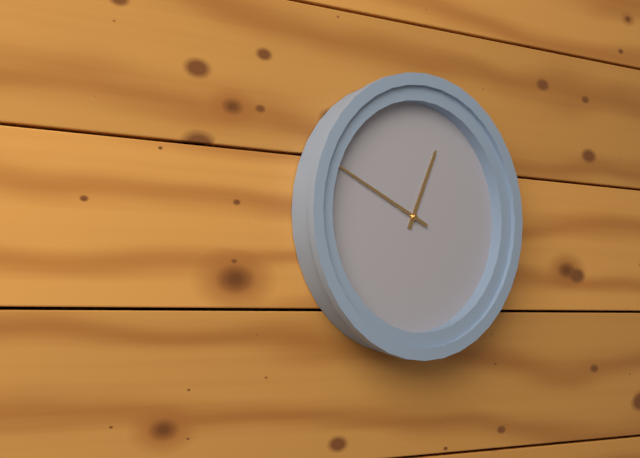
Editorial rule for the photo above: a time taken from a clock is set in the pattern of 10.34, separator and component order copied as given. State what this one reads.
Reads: 12.49
